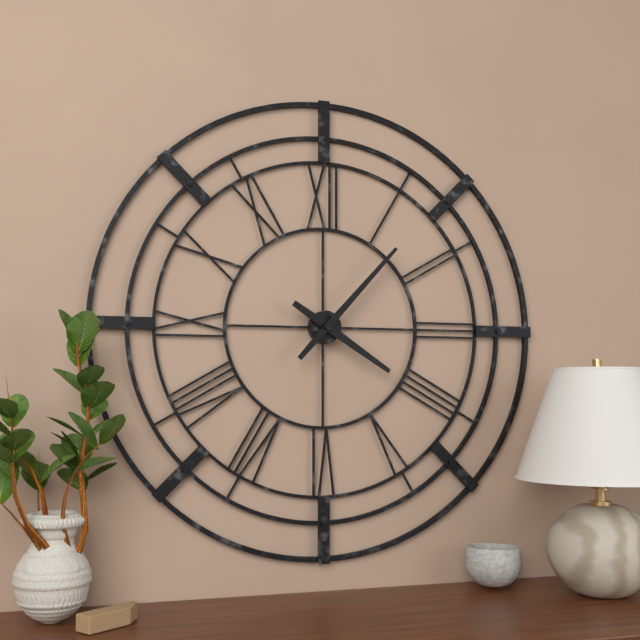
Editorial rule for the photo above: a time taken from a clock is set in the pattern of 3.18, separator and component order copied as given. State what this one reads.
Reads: 4.07
